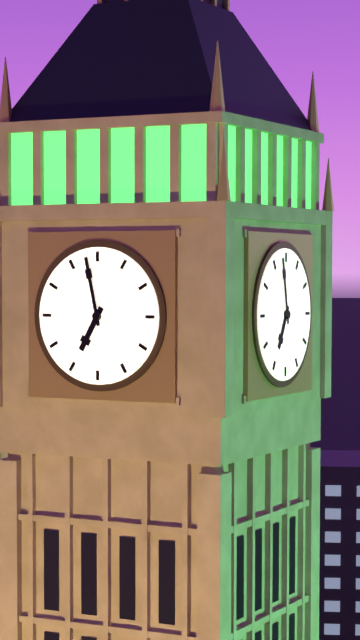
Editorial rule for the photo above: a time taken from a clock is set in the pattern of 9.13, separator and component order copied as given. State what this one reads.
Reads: 6.58
